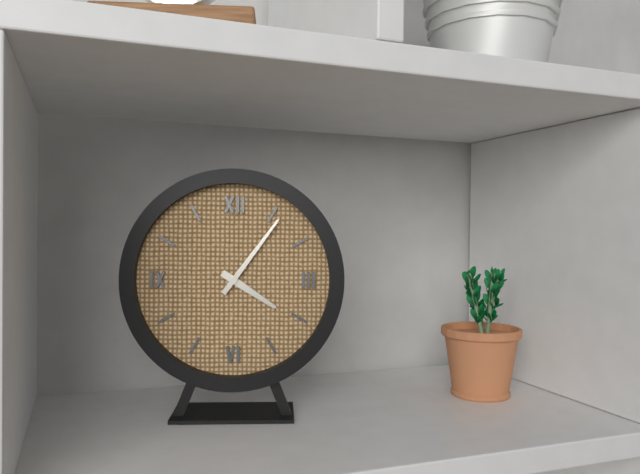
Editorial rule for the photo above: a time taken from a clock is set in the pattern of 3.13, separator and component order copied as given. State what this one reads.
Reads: 4.06
